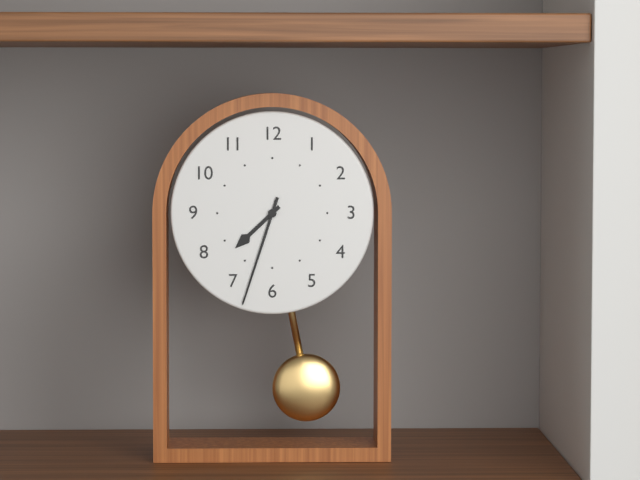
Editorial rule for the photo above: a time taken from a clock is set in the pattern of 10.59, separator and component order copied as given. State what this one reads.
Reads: 7.33
